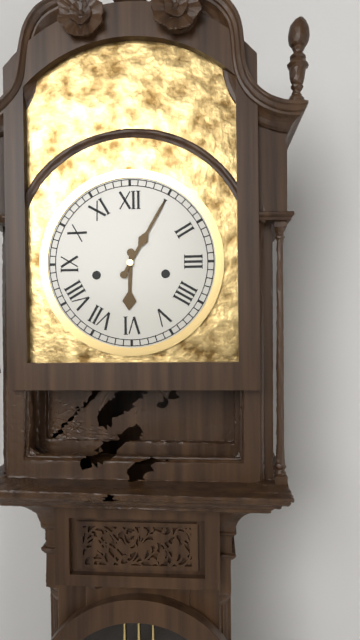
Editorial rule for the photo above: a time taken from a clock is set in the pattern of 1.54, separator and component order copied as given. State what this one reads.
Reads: 6.05
